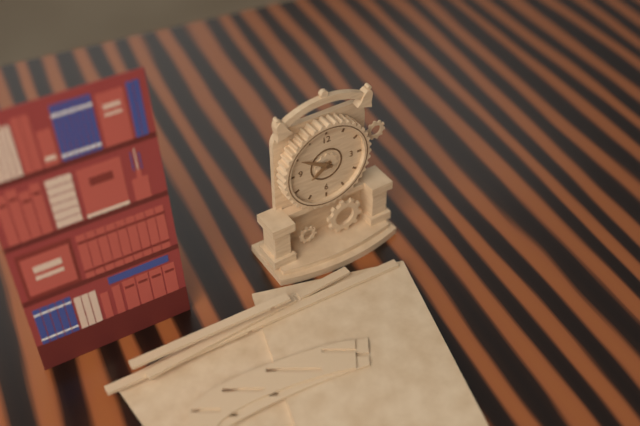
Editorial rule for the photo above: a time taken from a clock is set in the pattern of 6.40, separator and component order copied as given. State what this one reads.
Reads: 7.50
